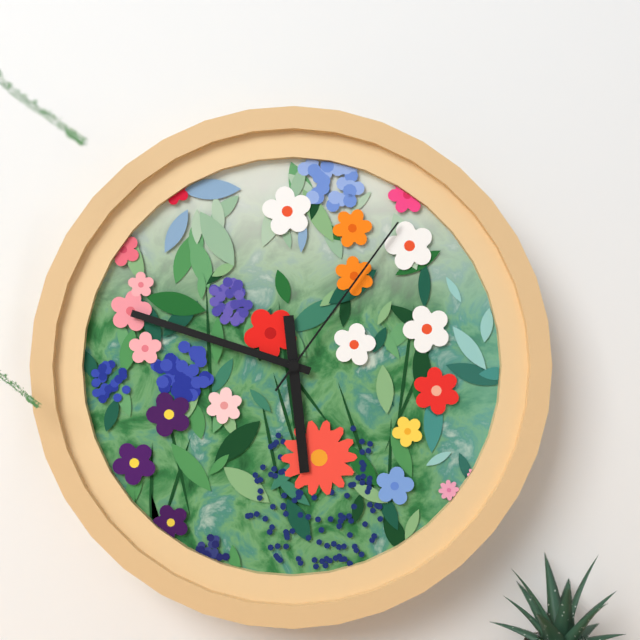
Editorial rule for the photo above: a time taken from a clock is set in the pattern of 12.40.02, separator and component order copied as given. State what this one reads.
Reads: 5.48.06
